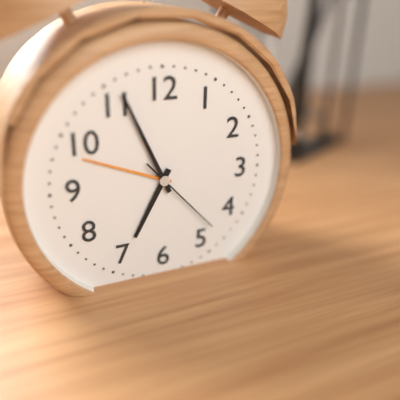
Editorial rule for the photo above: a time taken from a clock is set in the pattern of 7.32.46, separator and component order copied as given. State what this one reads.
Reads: 6.56.23
